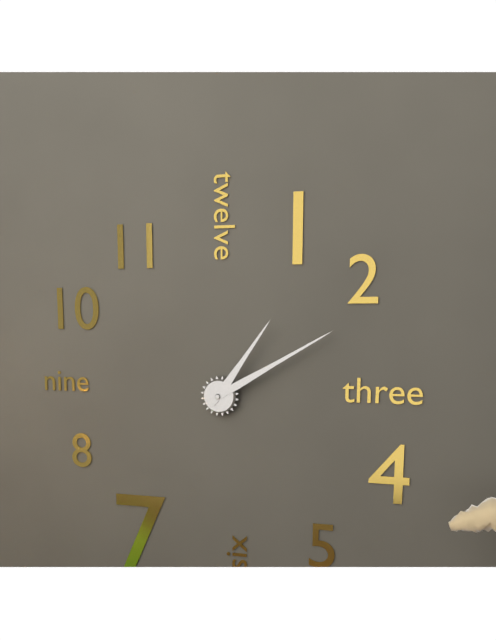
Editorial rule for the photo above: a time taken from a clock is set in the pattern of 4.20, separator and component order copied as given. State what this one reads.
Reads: 1.10
